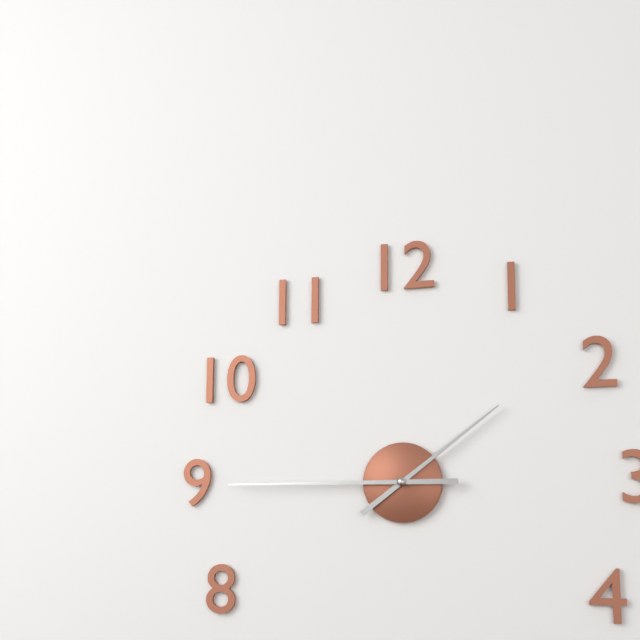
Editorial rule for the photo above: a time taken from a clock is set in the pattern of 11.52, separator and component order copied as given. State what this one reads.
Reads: 1.45
